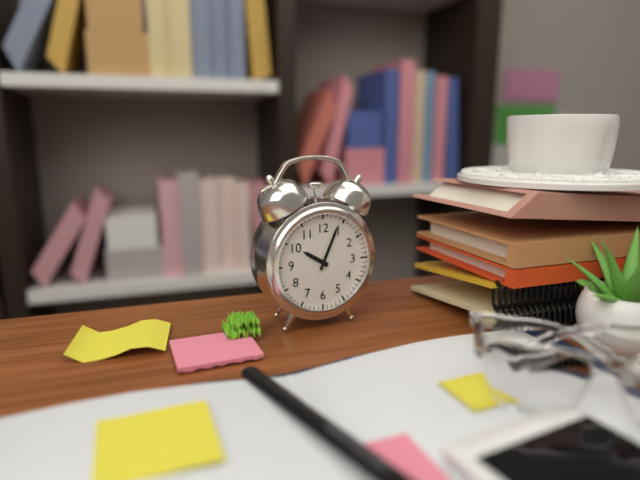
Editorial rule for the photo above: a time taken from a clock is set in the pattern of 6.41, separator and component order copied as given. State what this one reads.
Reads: 10.04
